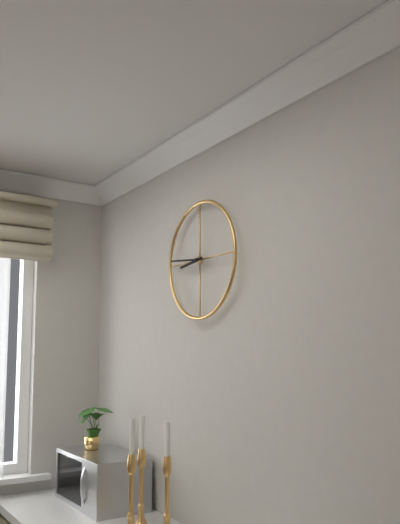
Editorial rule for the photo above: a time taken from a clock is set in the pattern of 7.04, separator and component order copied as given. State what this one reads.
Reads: 8.46
